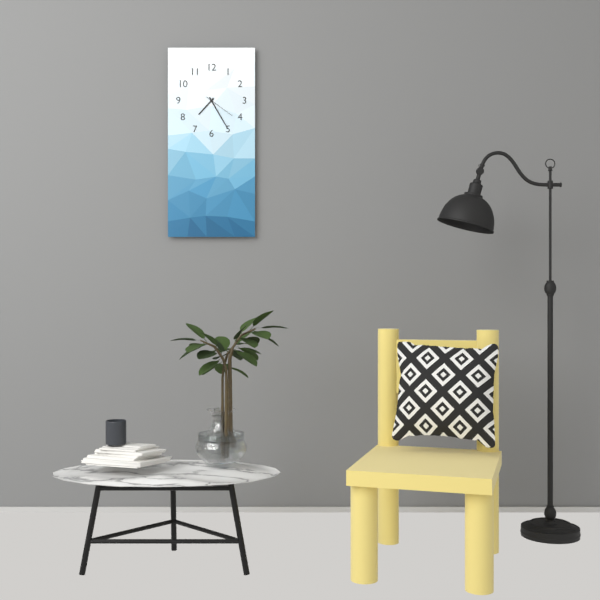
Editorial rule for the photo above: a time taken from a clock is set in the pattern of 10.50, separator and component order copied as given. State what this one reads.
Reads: 7.25
